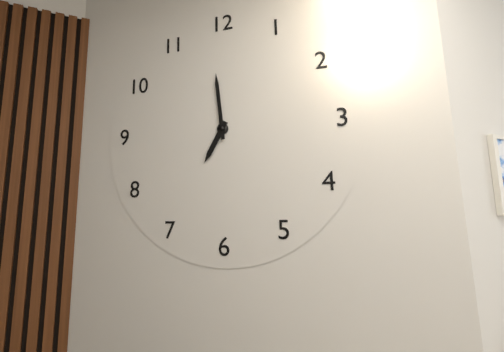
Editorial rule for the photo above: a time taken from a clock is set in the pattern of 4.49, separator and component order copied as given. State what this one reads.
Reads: 6.59
